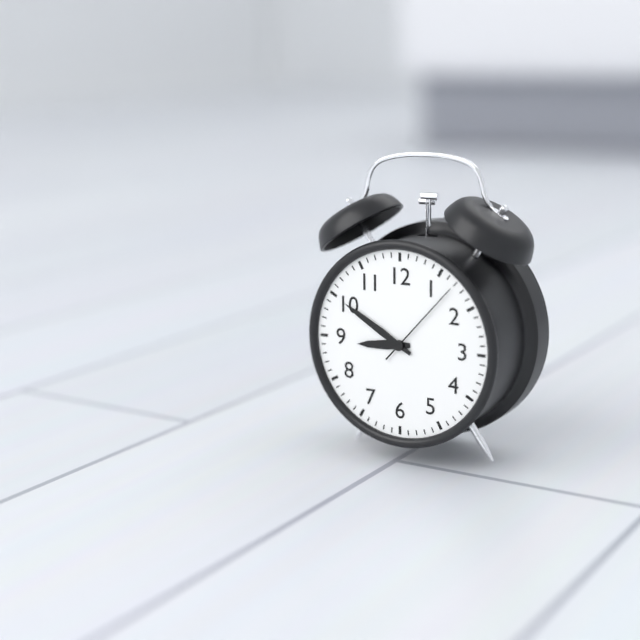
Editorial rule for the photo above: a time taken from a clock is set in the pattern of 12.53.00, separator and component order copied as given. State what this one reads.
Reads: 8.50.07
